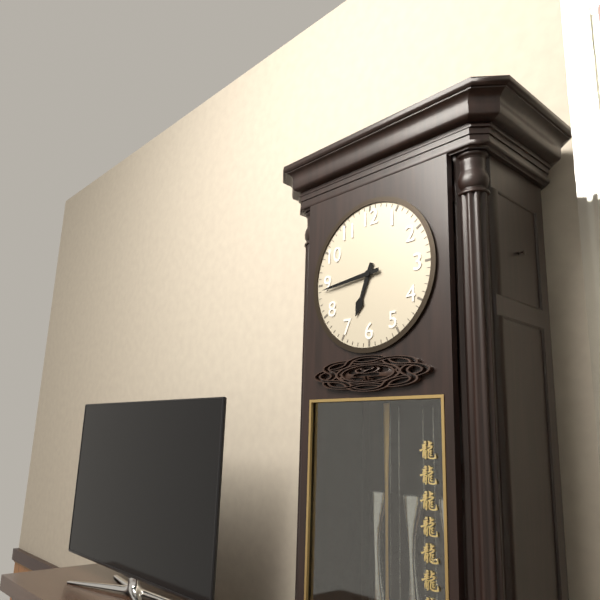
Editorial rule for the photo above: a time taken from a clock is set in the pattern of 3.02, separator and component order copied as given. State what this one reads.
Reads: 6.44
